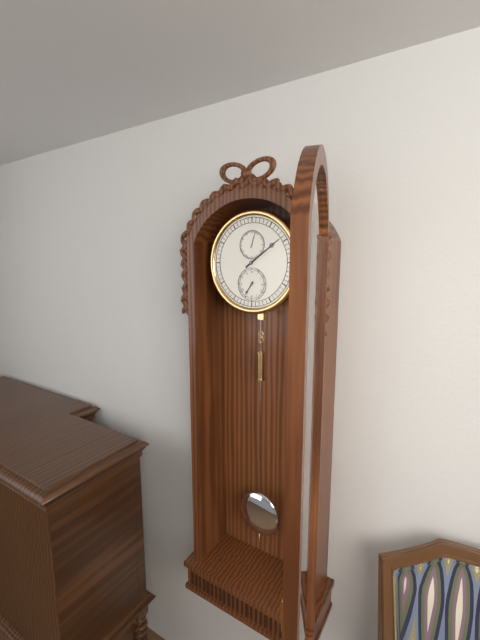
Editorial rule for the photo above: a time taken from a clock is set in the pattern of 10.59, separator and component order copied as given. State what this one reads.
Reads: 7.09
